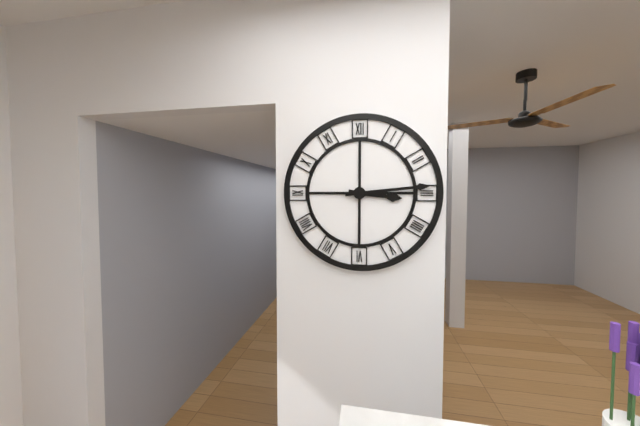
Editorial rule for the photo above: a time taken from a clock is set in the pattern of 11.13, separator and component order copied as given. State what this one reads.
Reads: 3.14
